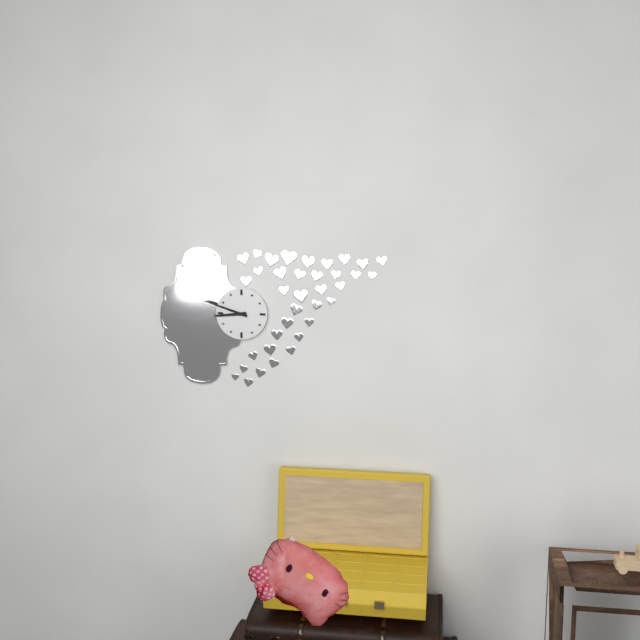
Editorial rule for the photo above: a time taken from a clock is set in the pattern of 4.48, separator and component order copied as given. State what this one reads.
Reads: 8.48
